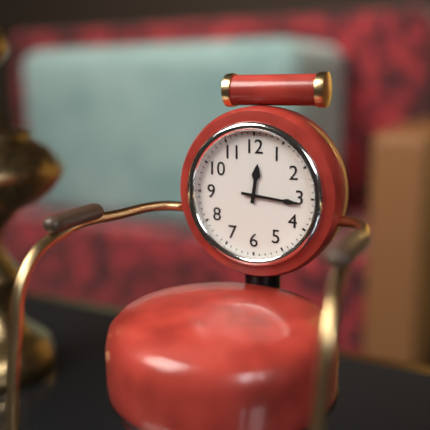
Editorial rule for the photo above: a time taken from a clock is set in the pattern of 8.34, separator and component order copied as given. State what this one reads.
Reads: 12.16
